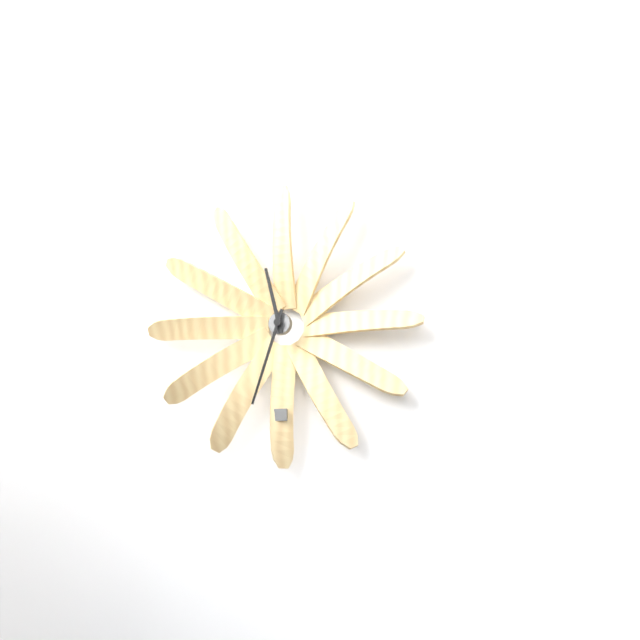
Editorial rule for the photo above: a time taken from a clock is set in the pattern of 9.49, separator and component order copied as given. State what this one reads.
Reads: 11.33
